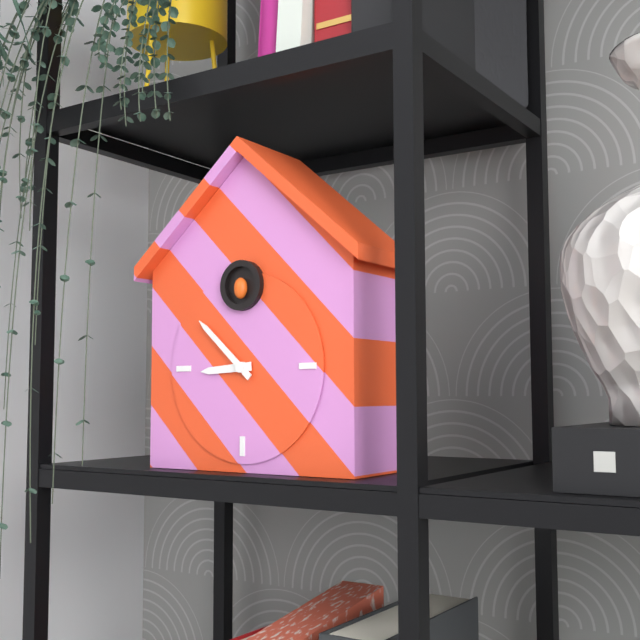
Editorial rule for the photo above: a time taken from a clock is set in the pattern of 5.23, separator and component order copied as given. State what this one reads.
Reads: 8.52
